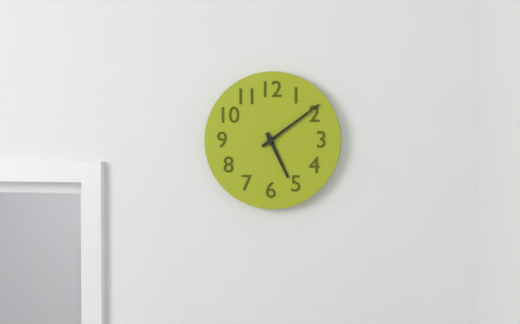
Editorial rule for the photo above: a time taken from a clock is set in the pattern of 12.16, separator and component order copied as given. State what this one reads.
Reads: 5.09
